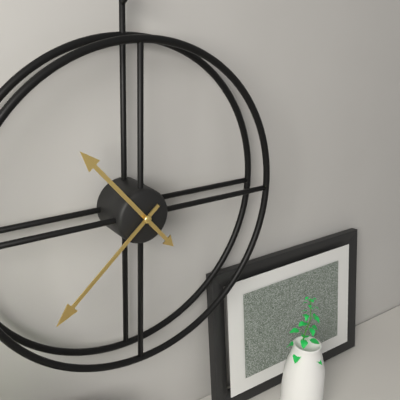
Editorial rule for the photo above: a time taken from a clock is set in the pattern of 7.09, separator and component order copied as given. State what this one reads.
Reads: 10.38
